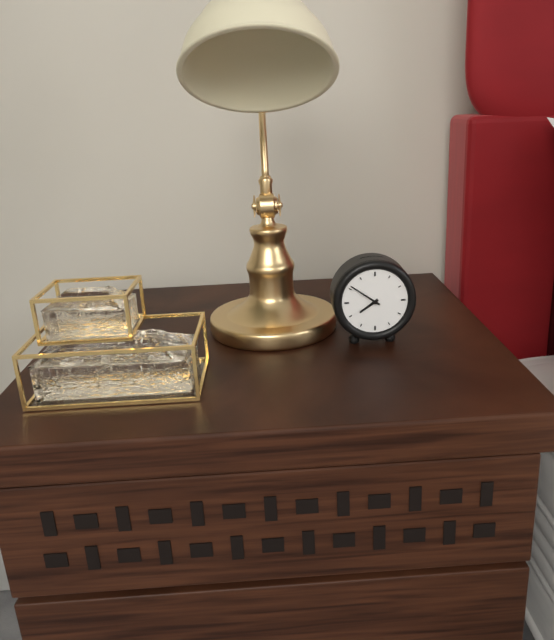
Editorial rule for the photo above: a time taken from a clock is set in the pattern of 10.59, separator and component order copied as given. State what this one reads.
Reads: 7.51
